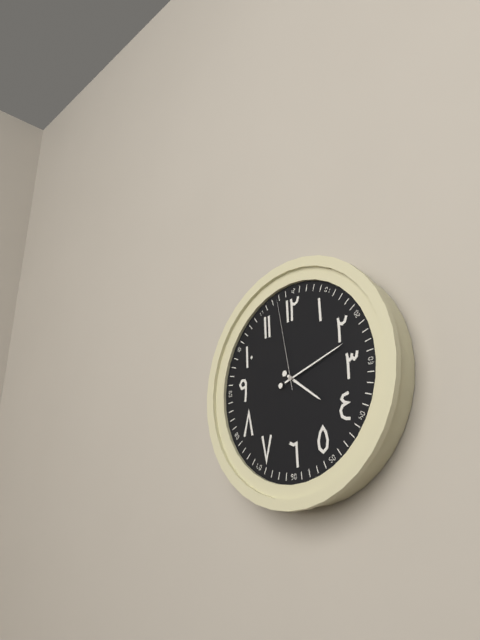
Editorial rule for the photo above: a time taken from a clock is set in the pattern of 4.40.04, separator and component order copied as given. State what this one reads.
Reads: 4.12.58
